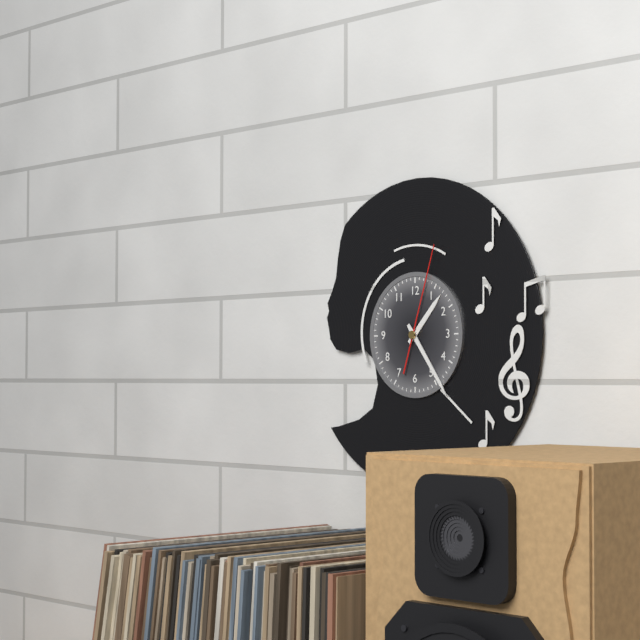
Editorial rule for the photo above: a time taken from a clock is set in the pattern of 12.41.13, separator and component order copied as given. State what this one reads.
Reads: 1.24.03
